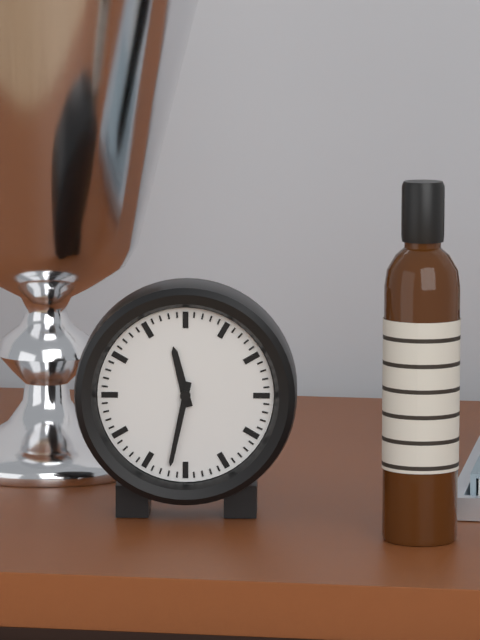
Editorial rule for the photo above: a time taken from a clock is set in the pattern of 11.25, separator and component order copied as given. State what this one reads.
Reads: 11.32
